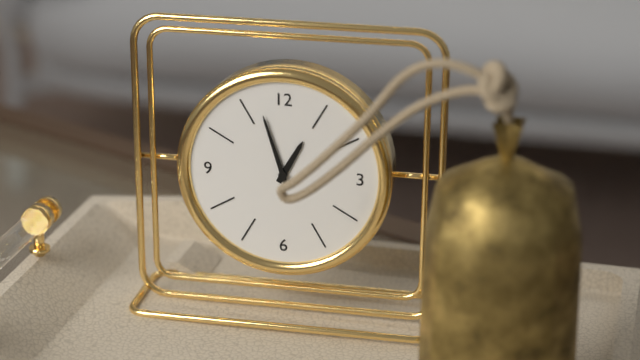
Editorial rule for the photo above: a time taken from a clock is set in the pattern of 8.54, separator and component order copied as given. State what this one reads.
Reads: 12.57
